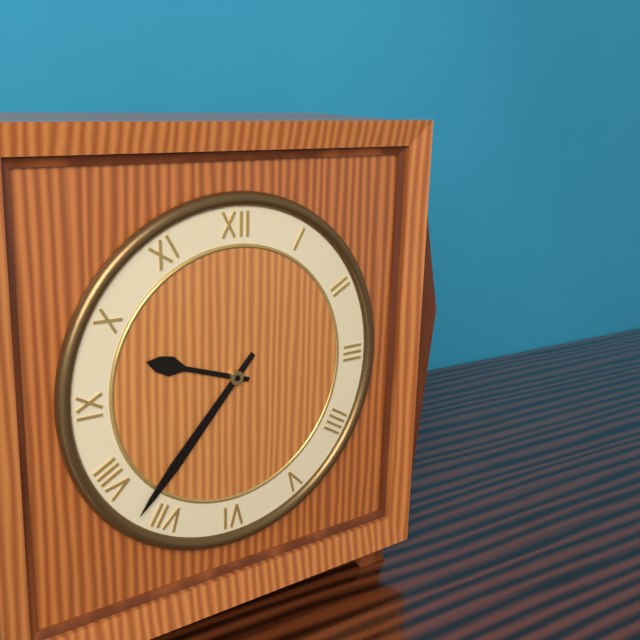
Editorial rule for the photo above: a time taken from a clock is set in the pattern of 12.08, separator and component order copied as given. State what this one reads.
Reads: 9.37
